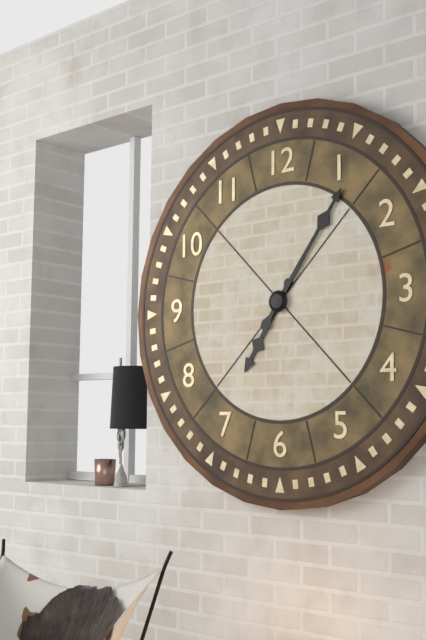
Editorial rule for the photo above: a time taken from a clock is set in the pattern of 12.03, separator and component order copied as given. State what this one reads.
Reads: 7.06
